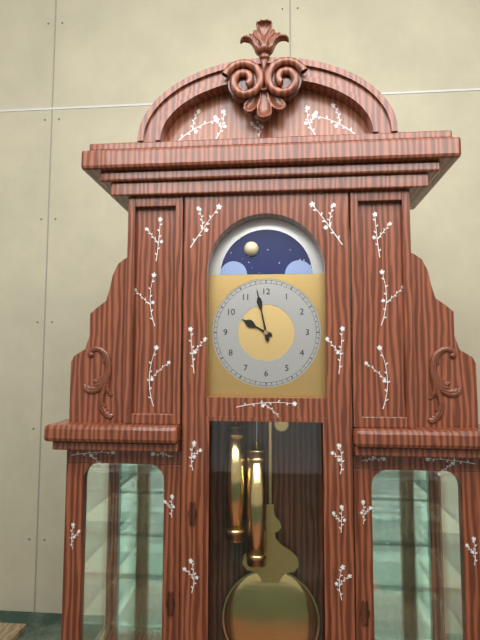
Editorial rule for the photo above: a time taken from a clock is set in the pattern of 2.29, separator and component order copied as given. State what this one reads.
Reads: 9.58
